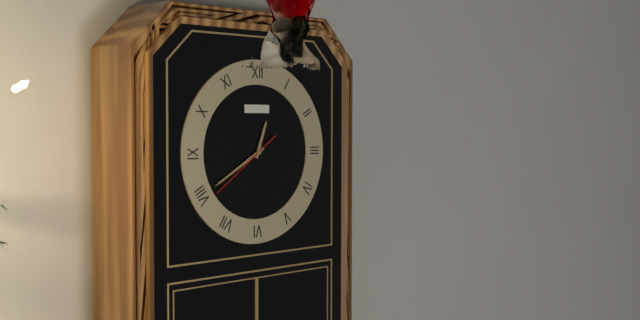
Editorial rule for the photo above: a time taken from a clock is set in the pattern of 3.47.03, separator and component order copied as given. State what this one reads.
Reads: 12.40.39
